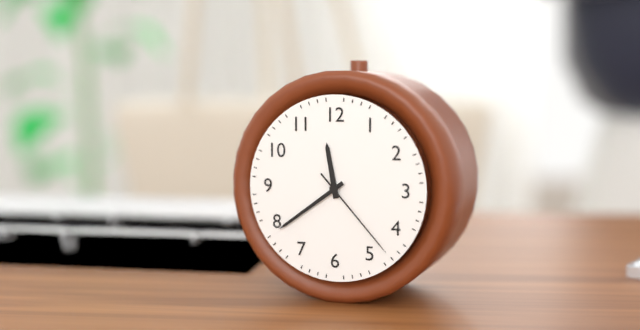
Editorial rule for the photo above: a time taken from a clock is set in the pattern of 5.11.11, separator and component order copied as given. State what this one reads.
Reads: 11.39.23
